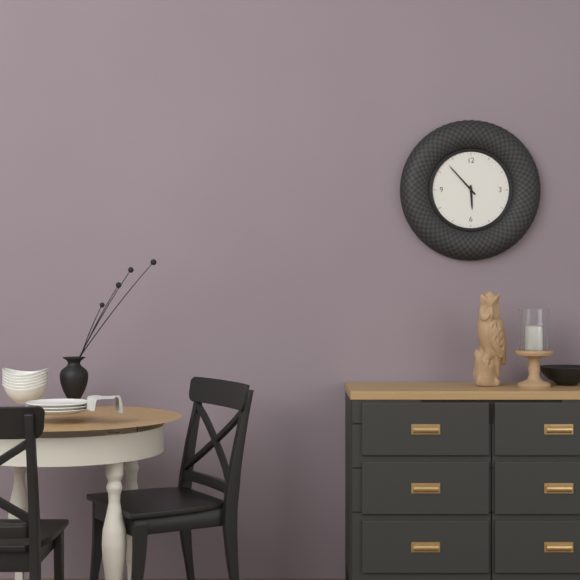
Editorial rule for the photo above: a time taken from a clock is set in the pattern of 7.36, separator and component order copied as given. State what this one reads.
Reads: 5.53
